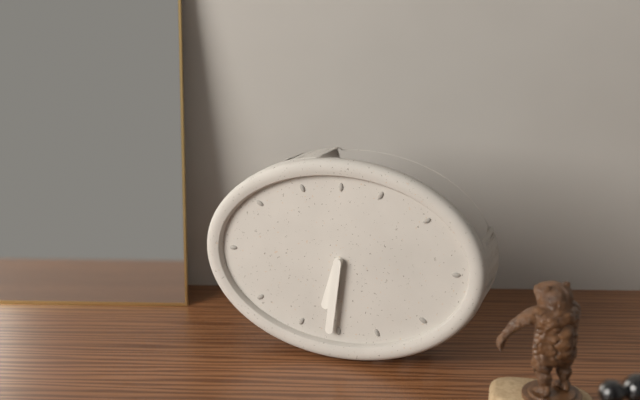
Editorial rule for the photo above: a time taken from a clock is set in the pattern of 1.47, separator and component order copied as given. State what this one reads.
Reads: 6.31
